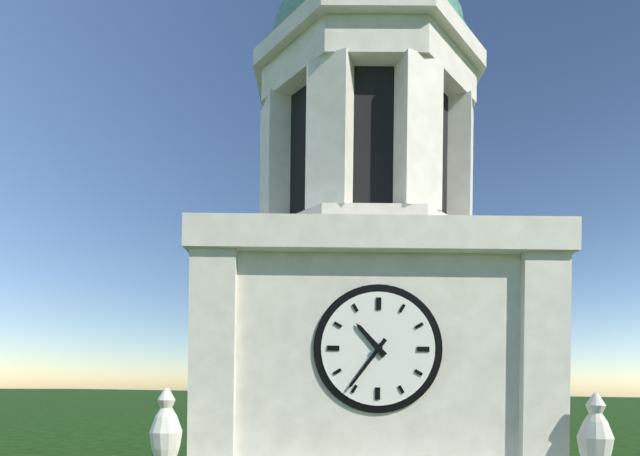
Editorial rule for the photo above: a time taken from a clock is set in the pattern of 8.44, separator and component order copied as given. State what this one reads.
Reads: 10.36
